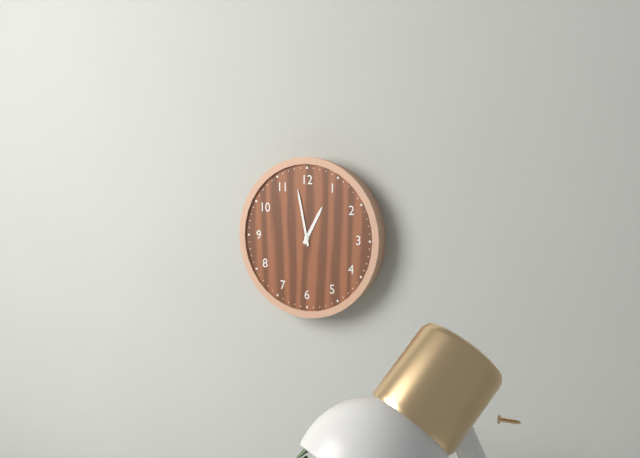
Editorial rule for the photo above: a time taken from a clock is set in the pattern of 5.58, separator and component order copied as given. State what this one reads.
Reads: 12.58
